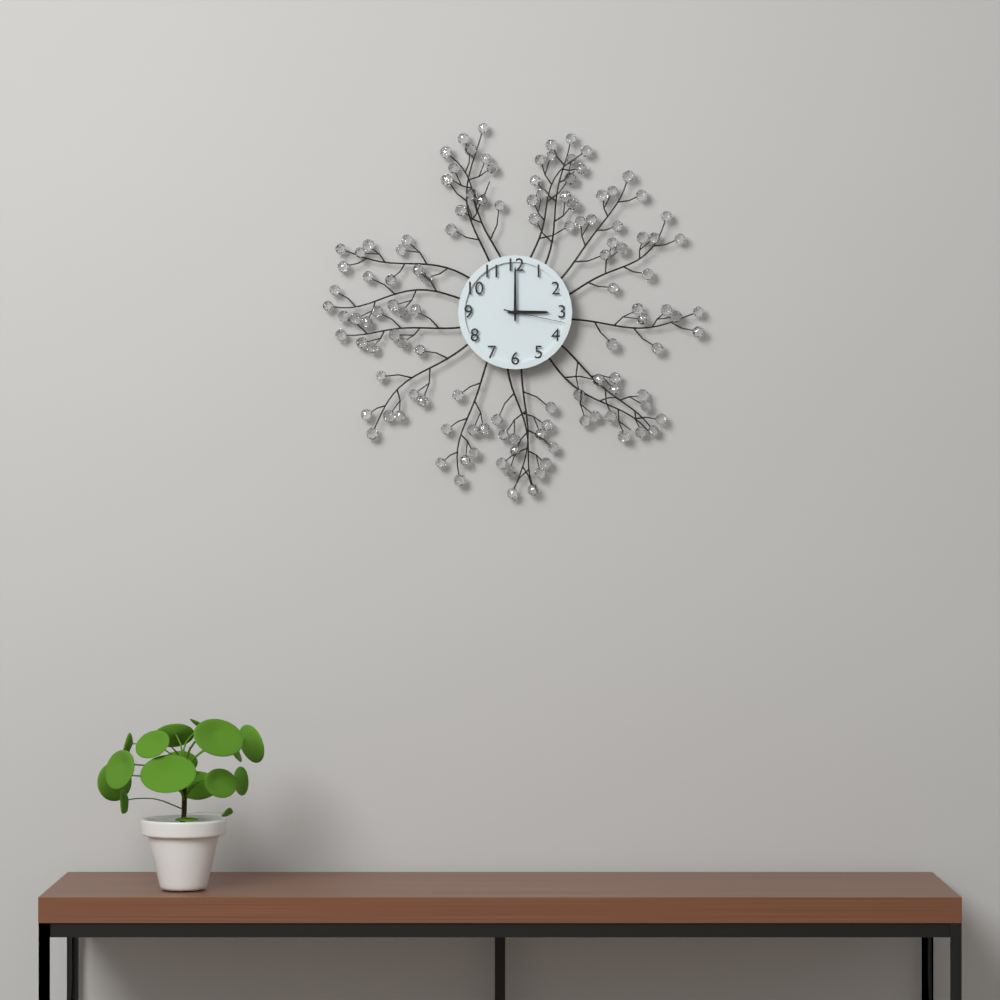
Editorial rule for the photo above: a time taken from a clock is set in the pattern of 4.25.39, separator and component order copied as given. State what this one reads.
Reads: 3.00.17
